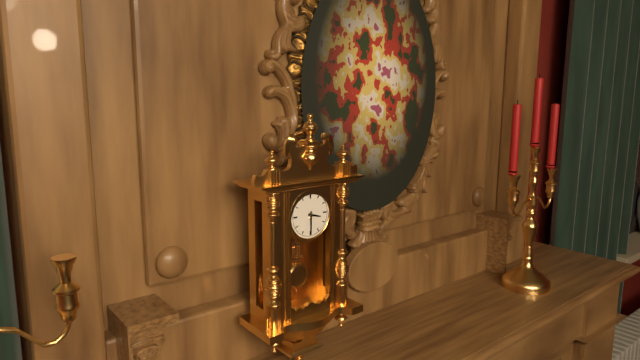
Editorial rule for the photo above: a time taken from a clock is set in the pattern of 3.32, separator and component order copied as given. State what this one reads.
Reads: 3.30
